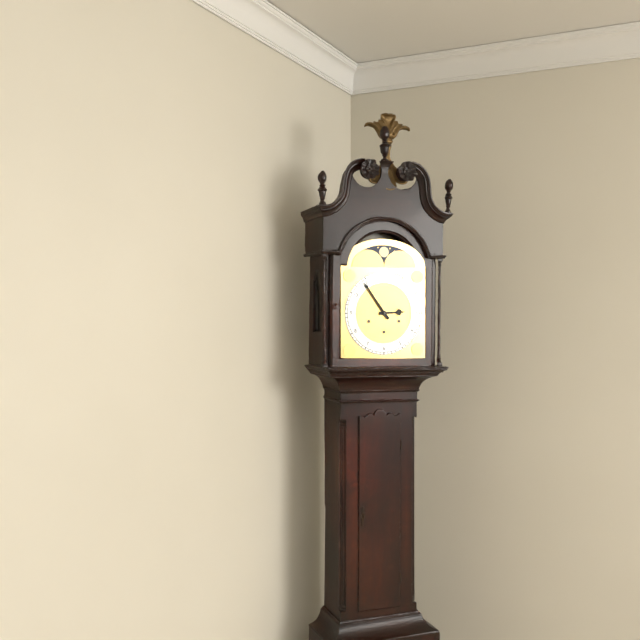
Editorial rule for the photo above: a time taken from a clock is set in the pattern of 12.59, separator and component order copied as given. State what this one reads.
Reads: 2.54
